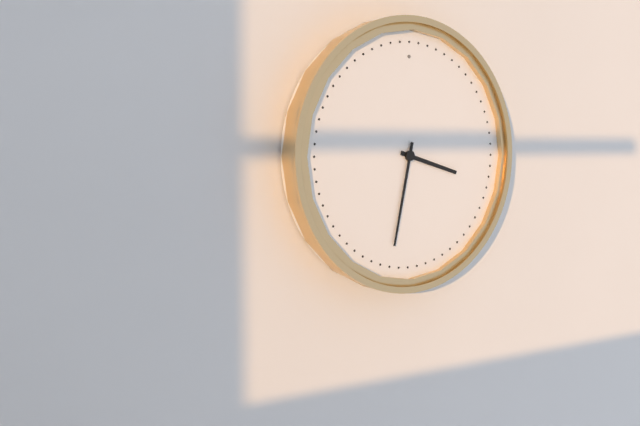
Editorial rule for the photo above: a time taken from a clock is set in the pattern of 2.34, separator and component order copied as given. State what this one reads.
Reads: 3.32
